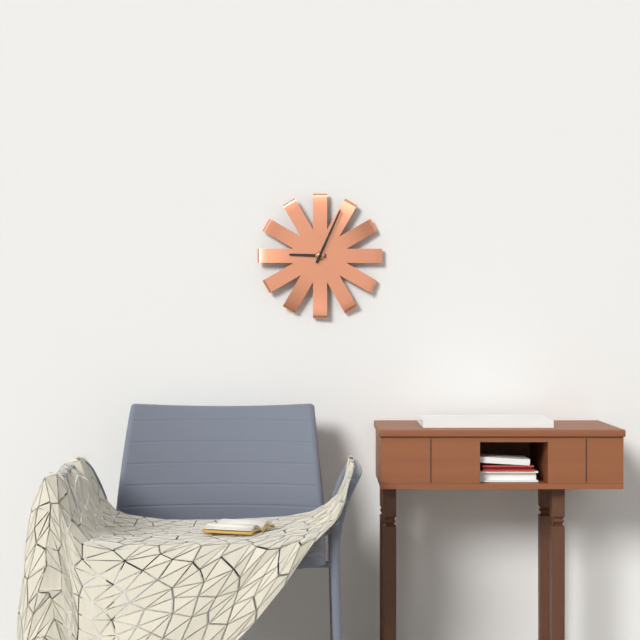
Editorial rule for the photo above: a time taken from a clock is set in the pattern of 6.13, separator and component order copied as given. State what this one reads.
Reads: 9.04
